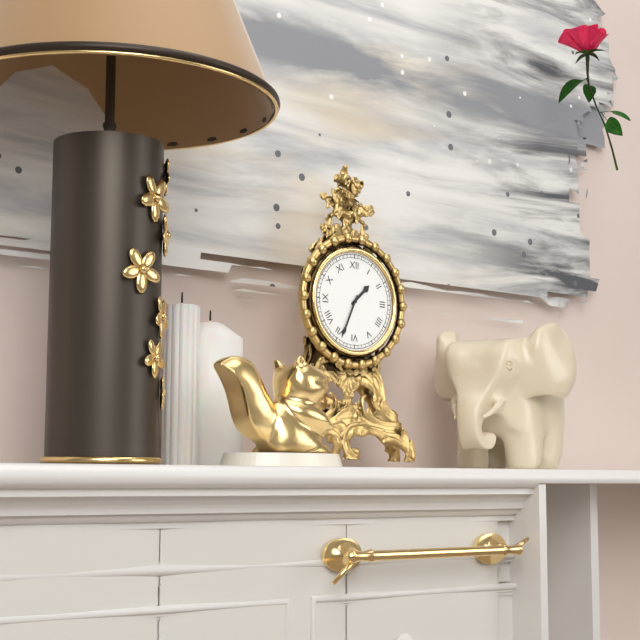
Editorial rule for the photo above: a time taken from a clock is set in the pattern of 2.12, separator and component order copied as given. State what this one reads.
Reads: 1.34
